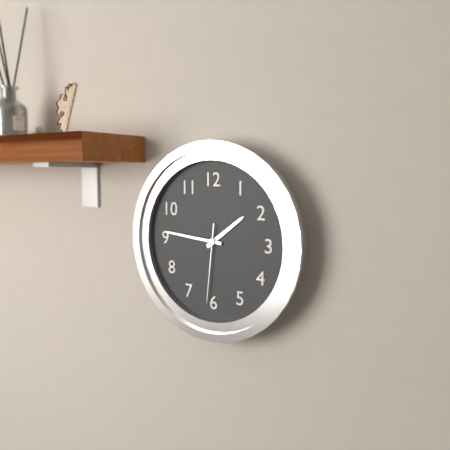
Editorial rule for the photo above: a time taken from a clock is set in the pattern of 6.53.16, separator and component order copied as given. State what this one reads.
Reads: 1.46.31
